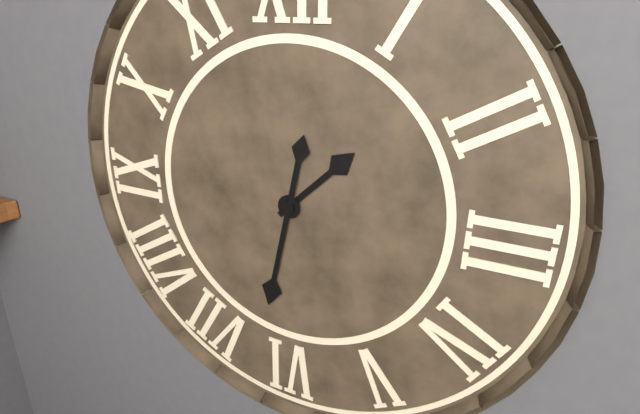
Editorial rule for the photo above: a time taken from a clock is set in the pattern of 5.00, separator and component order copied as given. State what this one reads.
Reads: 1.32
